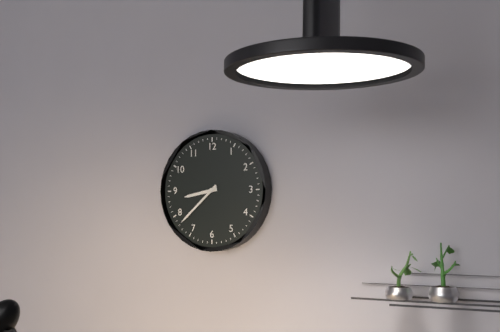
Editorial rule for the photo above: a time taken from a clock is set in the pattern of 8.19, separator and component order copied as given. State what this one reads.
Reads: 8.38
